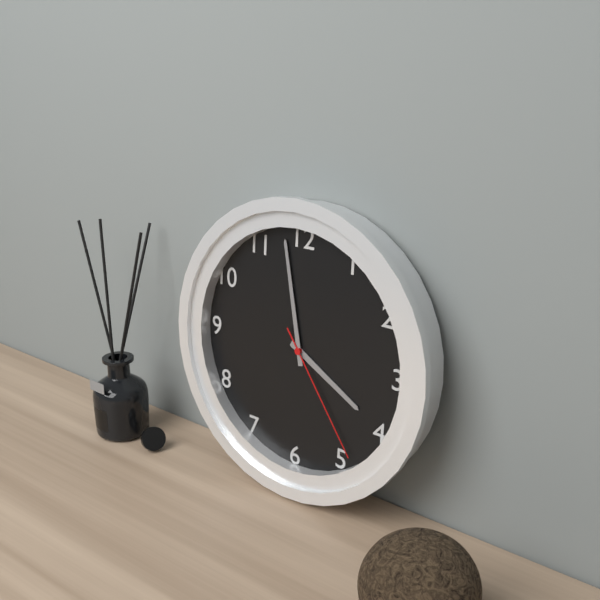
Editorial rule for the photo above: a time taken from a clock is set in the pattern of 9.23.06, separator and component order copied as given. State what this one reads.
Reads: 3.58.24
